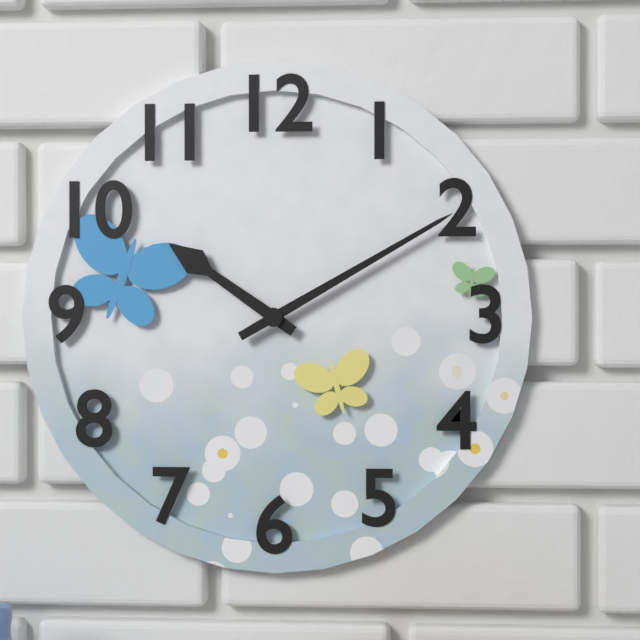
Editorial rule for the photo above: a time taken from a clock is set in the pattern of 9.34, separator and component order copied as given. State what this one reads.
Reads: 10.10
